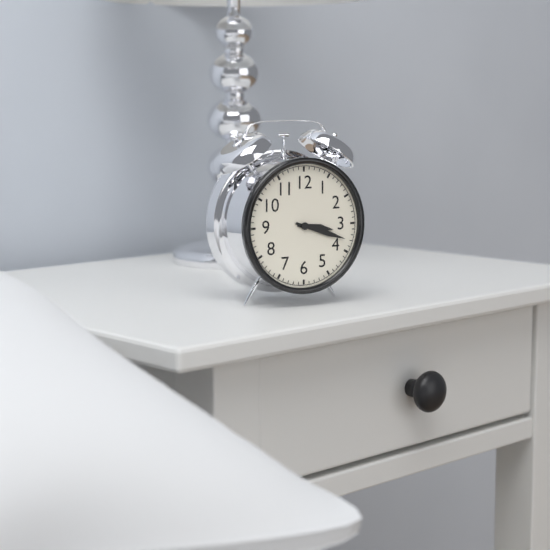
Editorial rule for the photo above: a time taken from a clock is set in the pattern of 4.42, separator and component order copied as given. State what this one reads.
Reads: 3.18
